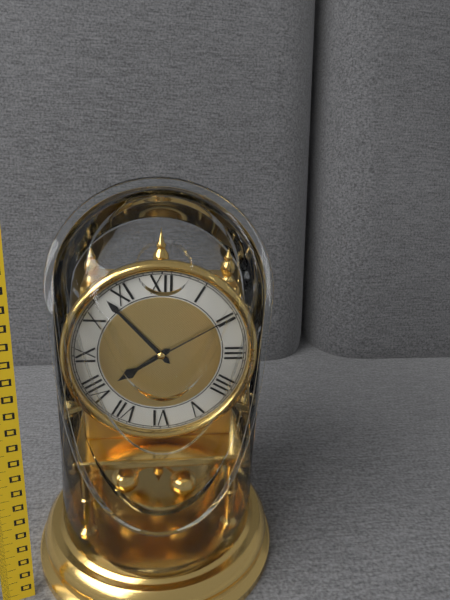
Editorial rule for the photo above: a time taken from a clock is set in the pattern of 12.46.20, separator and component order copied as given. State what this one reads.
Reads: 7.53.10
